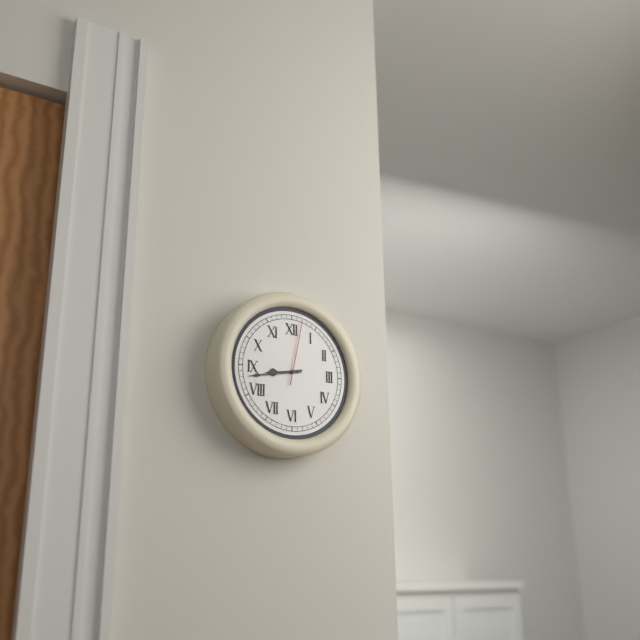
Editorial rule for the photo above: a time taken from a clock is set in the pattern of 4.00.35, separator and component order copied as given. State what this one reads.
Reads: 8.43.02
